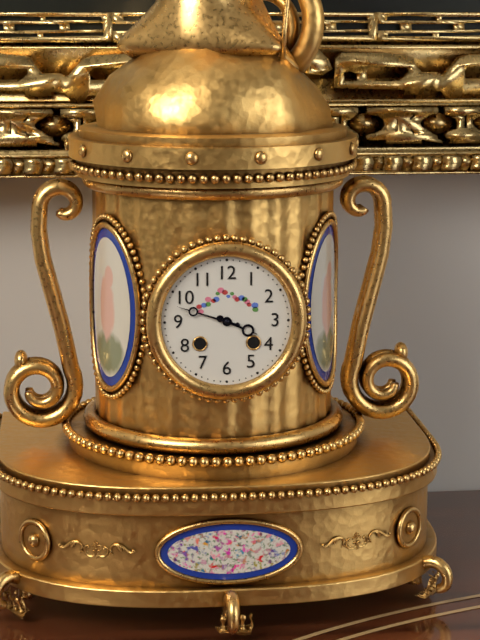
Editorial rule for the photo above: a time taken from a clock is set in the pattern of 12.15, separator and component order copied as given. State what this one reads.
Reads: 3.48
